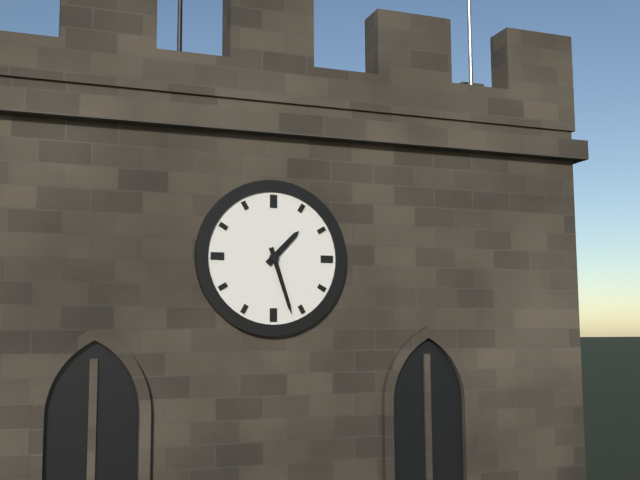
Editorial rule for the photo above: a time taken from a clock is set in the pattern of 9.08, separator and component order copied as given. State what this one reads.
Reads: 1.27
